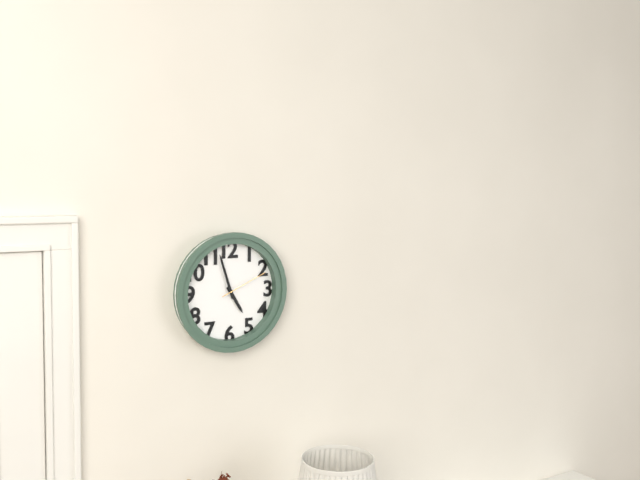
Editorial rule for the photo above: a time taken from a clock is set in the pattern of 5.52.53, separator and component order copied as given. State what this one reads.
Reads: 4.57.11
